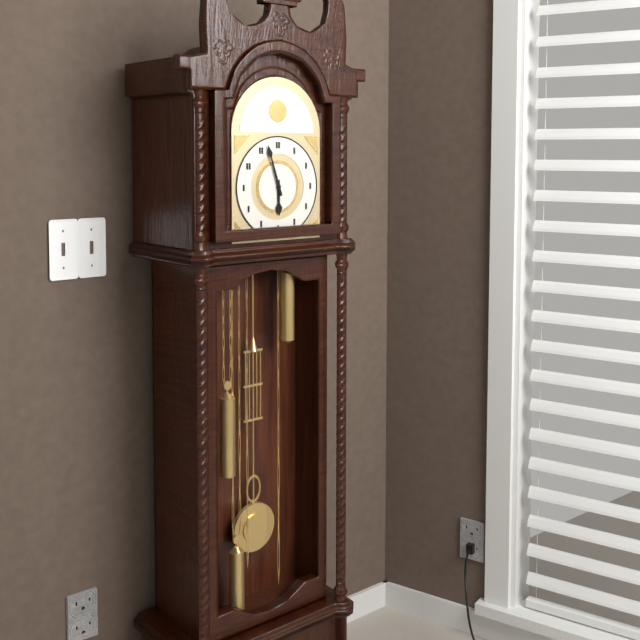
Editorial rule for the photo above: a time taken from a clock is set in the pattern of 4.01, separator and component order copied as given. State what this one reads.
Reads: 5.57
